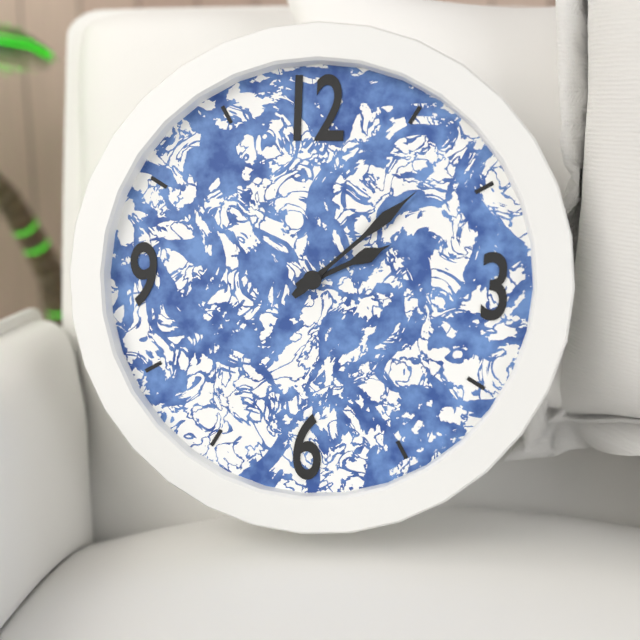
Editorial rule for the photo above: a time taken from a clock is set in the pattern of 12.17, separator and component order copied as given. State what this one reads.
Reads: 2.08
